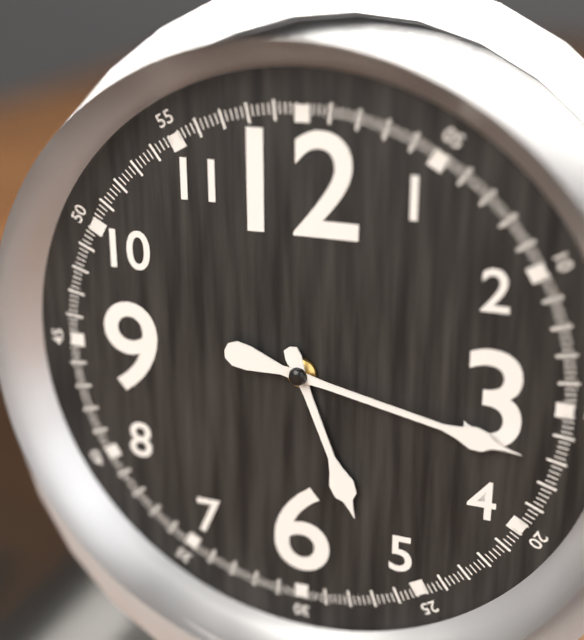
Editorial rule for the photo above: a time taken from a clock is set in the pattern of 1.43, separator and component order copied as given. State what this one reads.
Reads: 5.17
